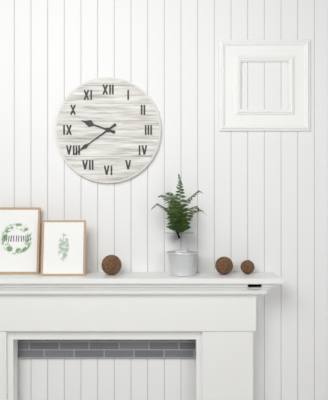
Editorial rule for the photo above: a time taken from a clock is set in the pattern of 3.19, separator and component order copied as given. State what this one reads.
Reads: 9.39
